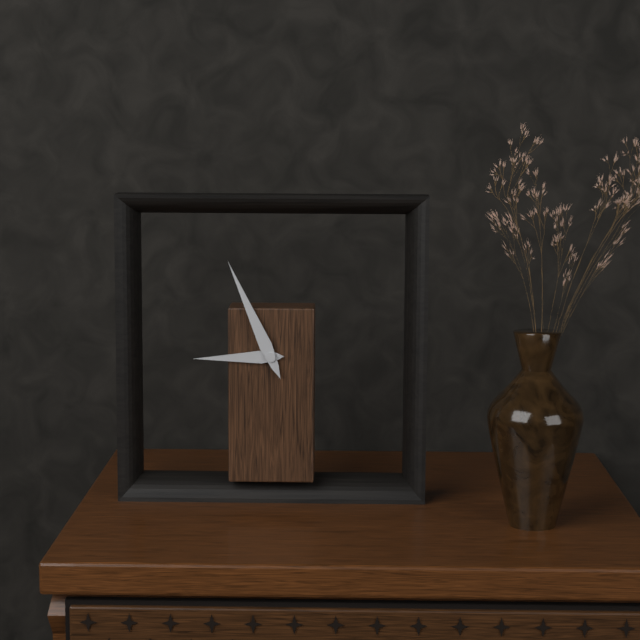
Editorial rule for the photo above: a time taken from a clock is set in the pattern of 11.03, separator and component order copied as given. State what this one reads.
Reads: 8.56
